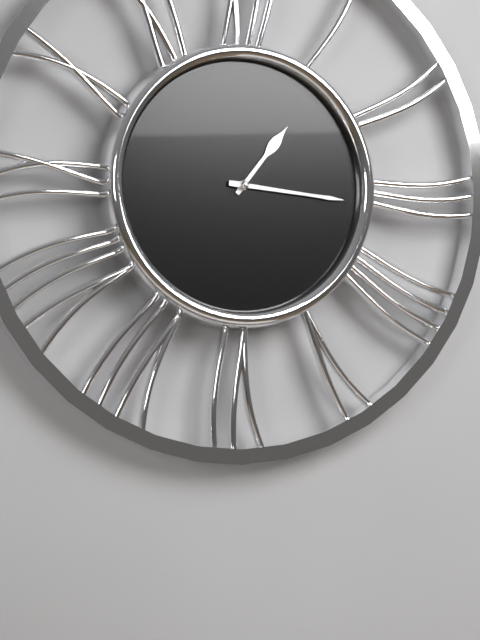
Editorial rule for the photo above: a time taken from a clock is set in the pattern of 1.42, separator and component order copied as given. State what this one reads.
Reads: 1.16
